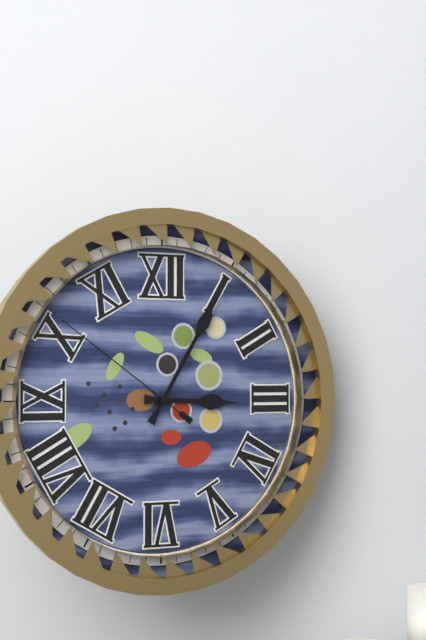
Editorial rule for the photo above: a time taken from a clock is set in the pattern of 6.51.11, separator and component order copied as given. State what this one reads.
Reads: 3.05.51
